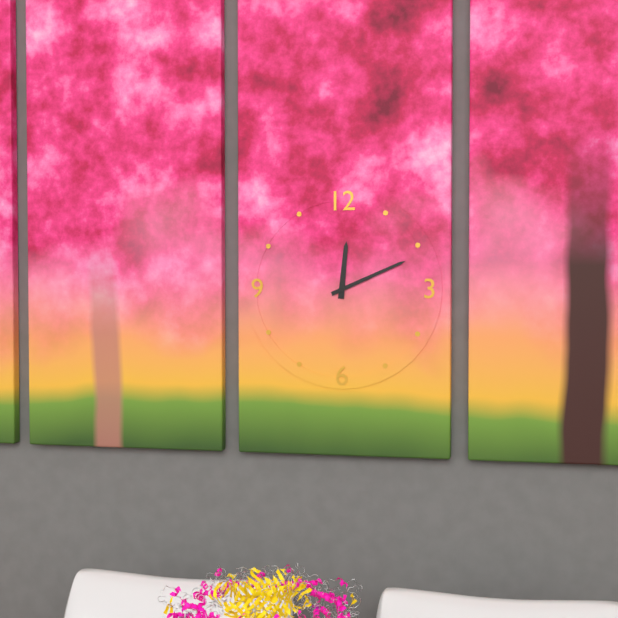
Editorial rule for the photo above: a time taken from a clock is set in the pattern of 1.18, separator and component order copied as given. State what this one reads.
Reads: 12.11
